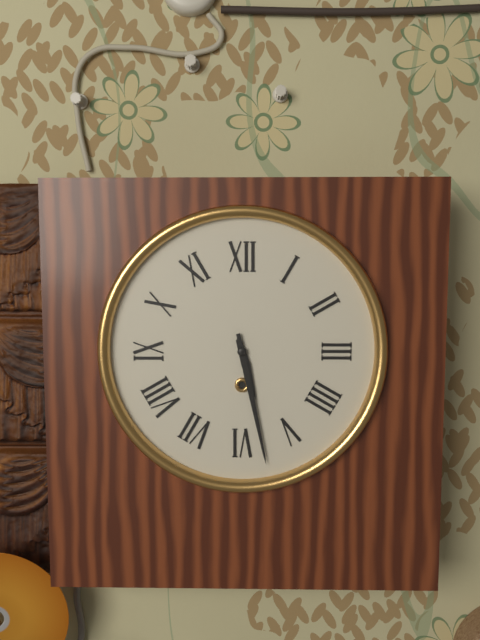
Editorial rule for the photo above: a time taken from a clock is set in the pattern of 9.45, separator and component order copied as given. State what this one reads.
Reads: 5.28
